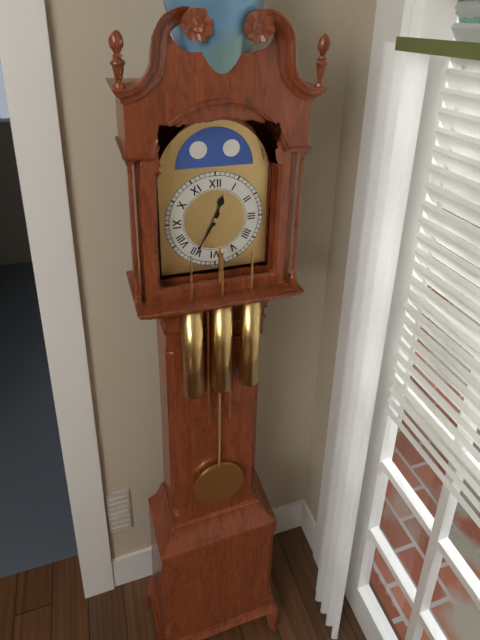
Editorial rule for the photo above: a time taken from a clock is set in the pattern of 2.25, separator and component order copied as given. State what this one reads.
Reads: 12.35
